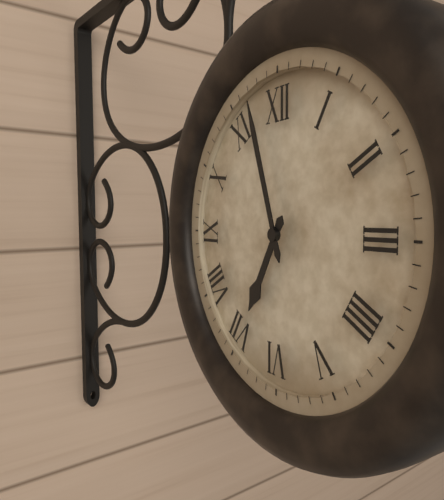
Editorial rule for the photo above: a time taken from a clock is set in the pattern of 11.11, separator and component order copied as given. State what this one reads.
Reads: 6.57
